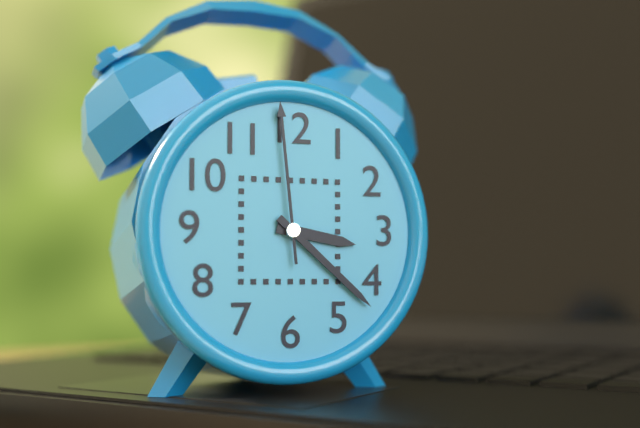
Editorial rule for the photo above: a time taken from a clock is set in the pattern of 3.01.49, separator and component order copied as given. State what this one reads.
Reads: 3.22.59
